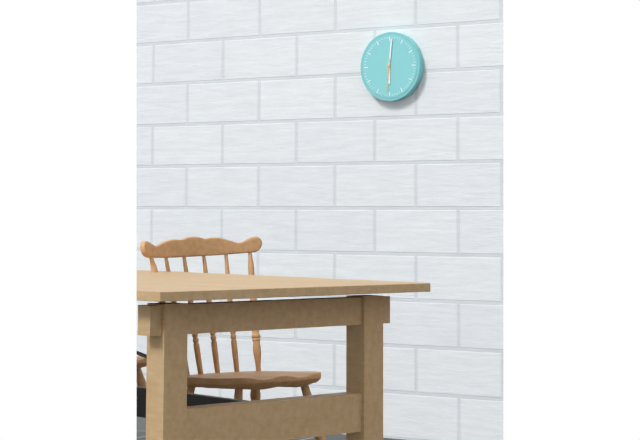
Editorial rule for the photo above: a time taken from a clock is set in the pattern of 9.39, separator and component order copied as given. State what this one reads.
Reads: 6.01
